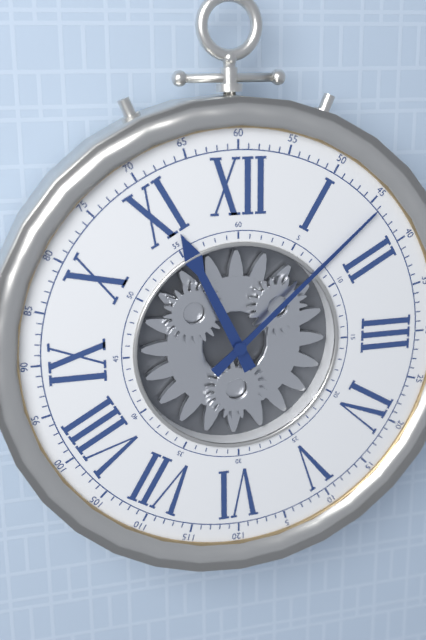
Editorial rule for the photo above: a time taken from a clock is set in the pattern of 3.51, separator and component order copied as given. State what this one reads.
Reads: 11.08
